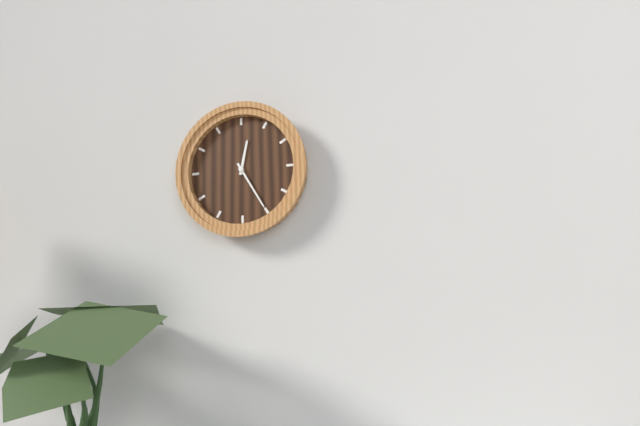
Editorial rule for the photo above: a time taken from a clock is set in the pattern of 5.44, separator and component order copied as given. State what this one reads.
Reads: 12.25
